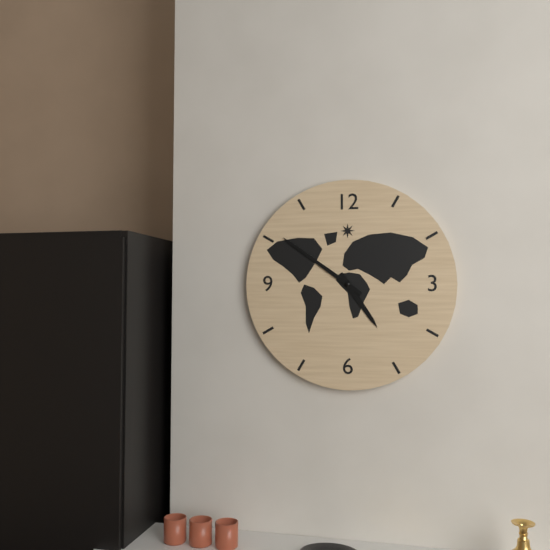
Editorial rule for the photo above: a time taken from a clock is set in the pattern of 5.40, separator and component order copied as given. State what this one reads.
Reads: 4.51
